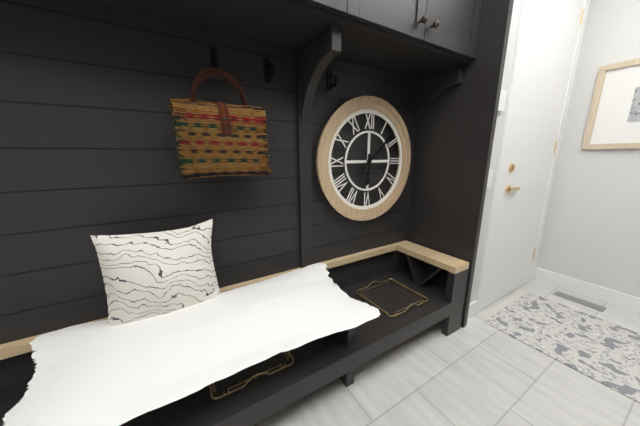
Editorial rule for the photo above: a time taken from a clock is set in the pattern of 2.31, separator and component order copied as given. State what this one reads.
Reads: 6.08
